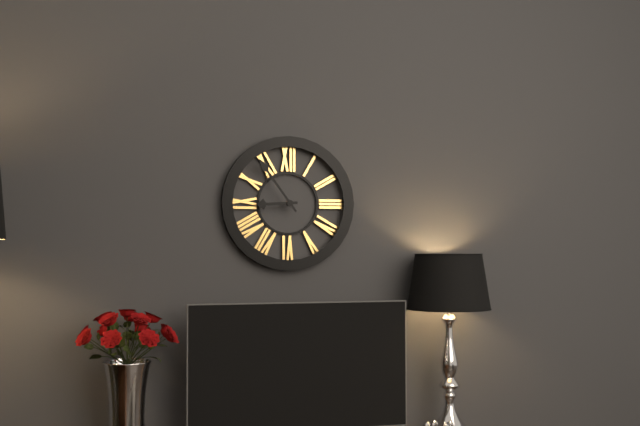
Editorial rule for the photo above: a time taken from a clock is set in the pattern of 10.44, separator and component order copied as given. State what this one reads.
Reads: 8.54
